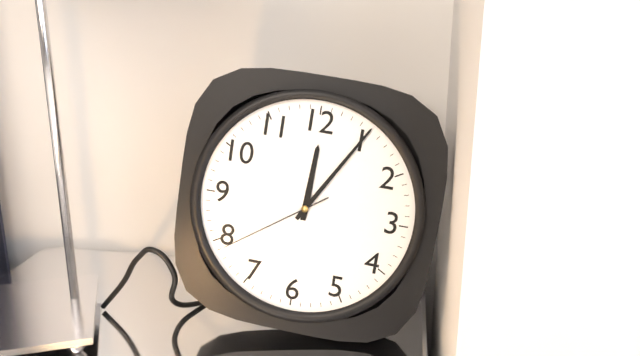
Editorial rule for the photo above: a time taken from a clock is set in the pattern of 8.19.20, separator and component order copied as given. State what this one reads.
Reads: 12.05.39
